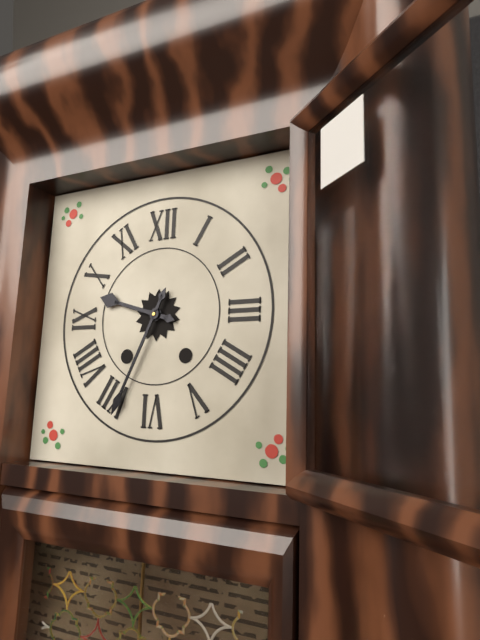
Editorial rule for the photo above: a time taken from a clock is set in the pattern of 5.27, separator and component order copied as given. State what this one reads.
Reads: 9.34
